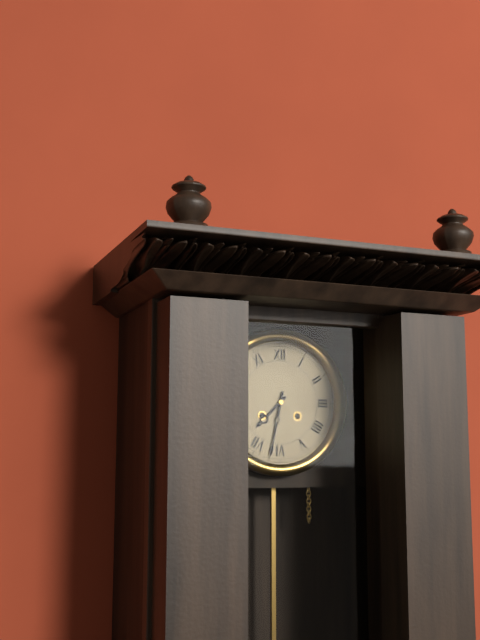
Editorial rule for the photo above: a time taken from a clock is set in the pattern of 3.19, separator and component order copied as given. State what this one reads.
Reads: 7.32
